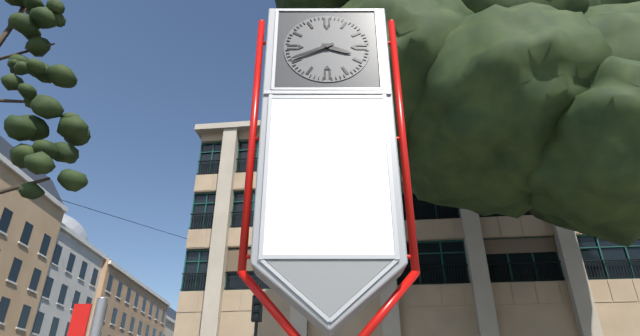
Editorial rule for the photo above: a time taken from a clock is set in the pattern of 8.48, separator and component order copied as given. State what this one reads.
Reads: 3.41
